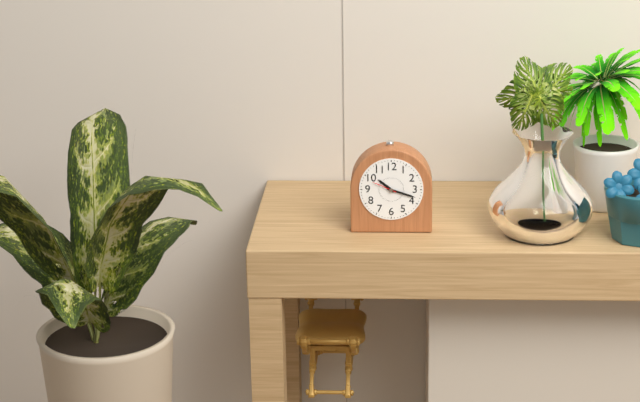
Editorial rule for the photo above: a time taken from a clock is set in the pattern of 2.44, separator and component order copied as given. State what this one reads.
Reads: 10.18
